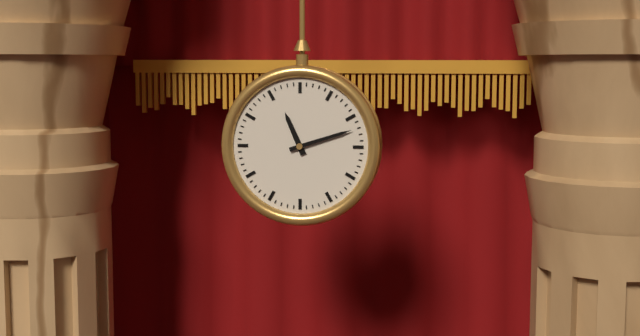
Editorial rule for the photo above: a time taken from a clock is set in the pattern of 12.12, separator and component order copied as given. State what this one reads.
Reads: 11.12
